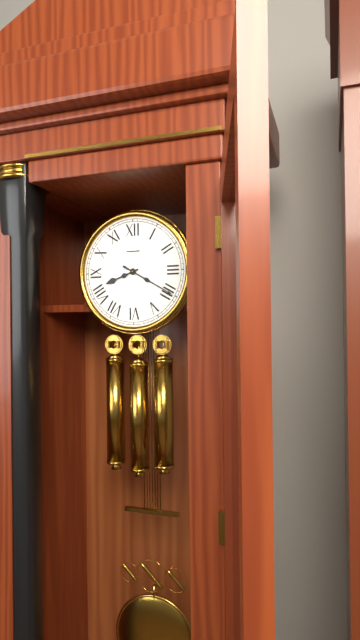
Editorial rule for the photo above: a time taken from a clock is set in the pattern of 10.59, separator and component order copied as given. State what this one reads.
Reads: 8.20
